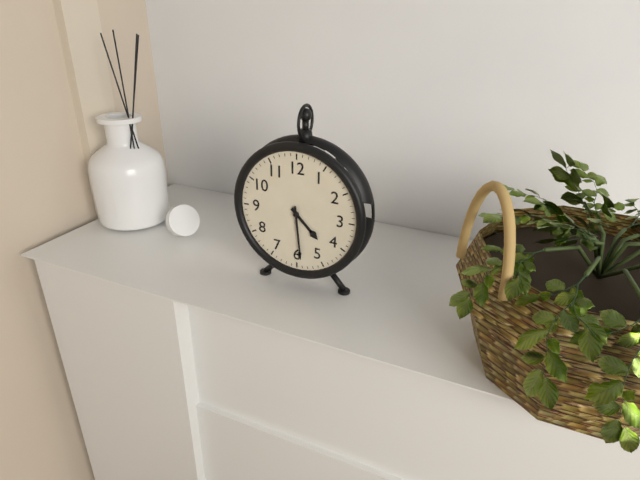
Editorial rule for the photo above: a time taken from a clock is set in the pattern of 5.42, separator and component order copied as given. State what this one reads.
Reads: 4.29
